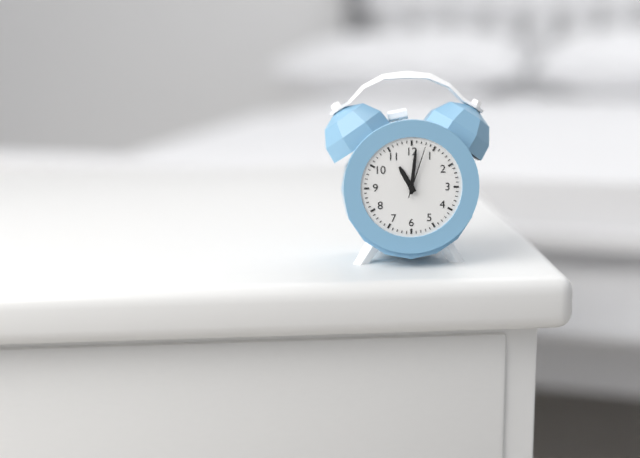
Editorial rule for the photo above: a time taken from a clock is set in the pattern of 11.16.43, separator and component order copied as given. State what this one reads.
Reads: 11.01.03
